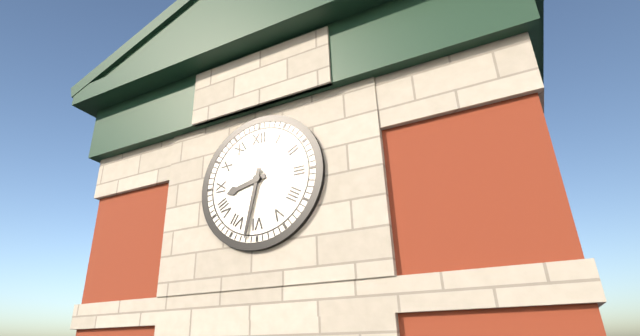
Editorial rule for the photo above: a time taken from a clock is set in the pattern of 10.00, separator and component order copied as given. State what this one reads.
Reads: 8.32
